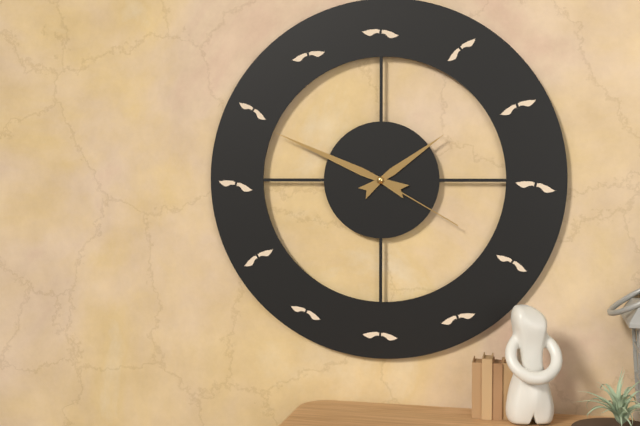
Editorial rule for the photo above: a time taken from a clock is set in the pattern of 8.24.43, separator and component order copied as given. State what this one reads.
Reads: 1.49.20
